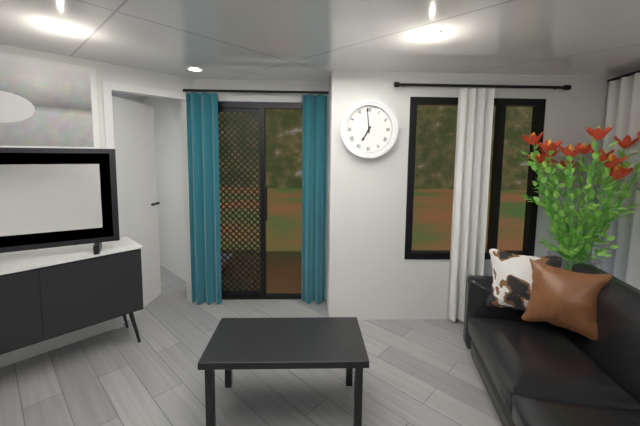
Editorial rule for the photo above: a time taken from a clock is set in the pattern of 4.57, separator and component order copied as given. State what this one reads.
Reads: 6.59
